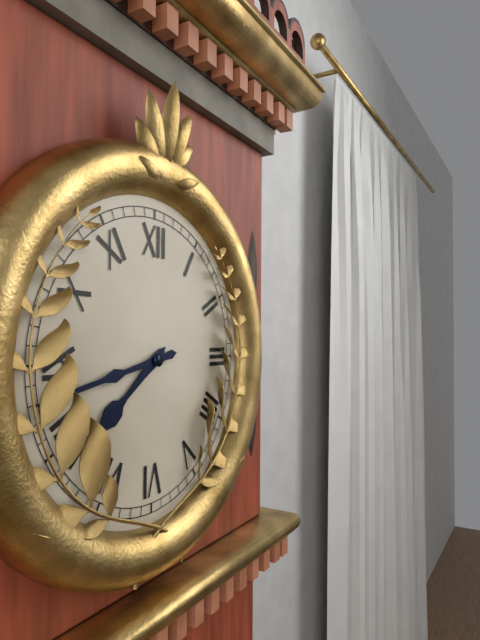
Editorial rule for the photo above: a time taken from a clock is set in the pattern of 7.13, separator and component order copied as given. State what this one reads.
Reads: 7.43
